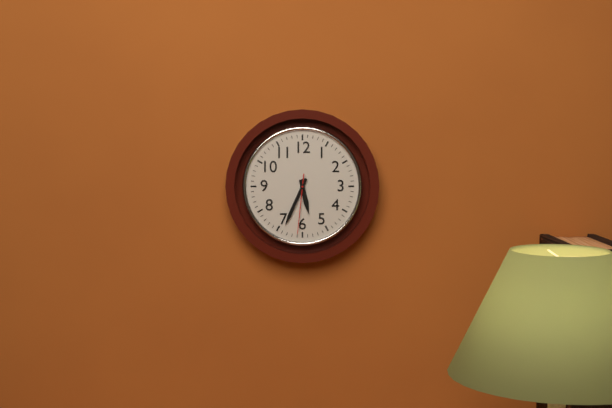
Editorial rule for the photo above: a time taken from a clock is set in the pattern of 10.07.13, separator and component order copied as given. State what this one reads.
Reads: 5.34.31
